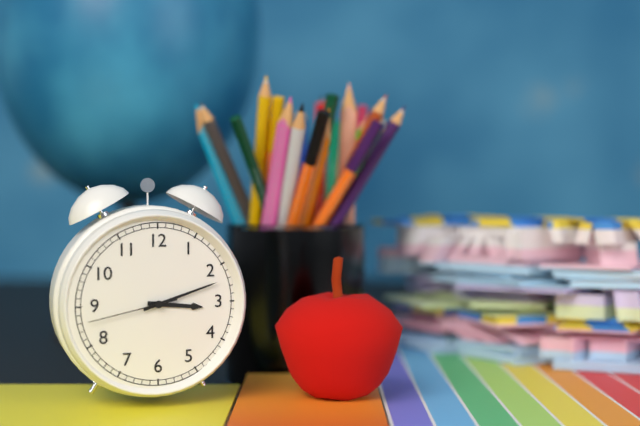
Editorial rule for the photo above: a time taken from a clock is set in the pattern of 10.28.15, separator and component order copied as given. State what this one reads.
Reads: 3.12.43
